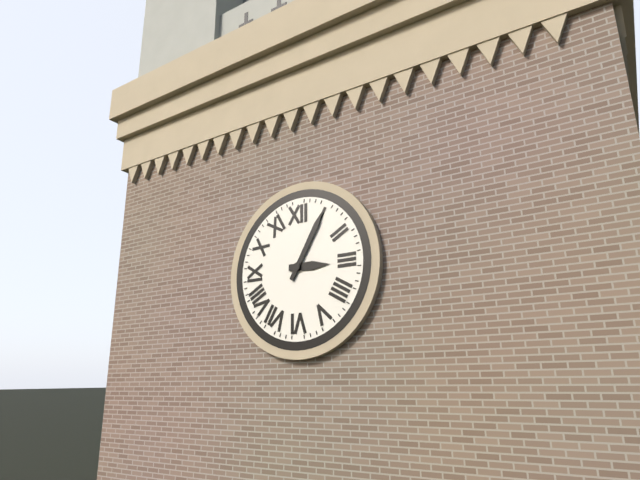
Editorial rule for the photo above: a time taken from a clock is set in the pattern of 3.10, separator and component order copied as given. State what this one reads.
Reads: 3.05
